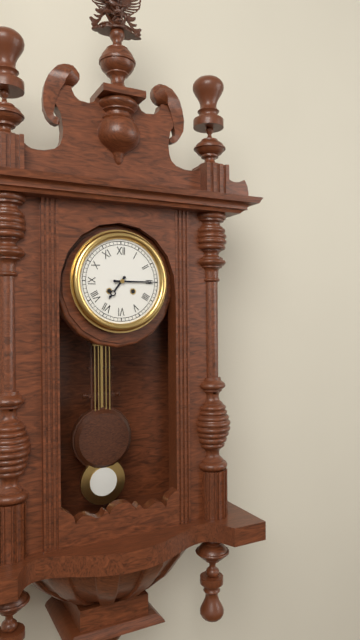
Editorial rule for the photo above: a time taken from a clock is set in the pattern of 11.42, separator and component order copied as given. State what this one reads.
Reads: 7.15
